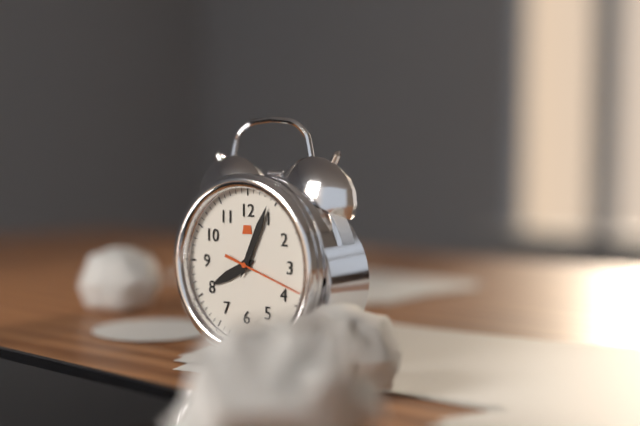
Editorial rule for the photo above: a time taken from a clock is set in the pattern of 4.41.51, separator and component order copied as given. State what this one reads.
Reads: 8.04.18
